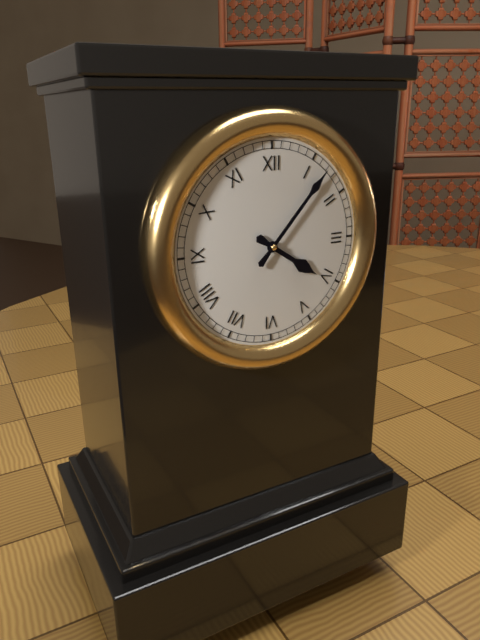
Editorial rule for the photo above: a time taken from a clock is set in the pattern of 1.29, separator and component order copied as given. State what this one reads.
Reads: 4.07
